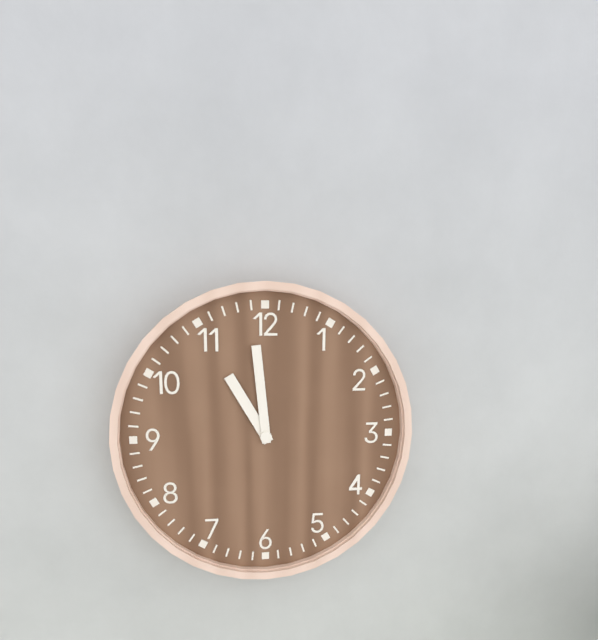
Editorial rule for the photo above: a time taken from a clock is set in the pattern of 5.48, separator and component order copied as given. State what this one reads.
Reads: 10.59
